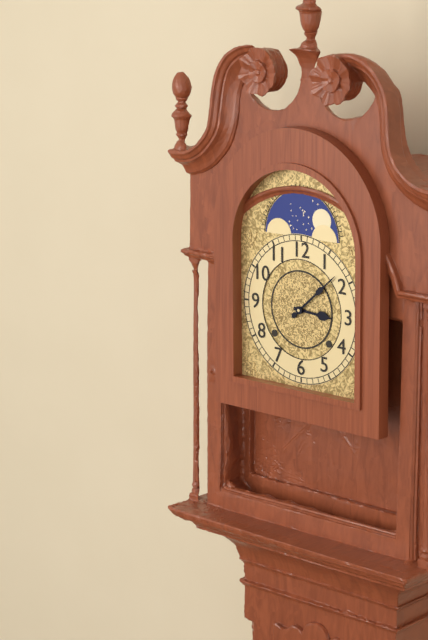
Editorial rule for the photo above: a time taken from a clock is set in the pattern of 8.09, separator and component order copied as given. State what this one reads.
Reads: 3.08
